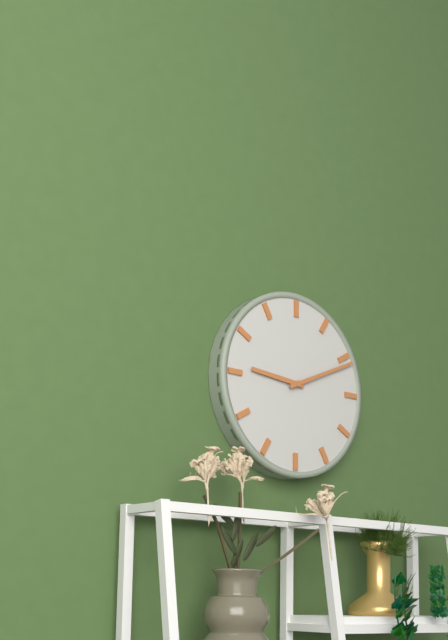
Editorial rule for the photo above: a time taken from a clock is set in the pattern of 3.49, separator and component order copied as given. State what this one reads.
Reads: 9.11
